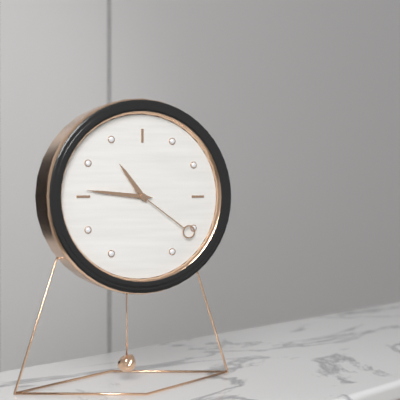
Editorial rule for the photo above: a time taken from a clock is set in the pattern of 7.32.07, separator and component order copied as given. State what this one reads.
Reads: 10.46.21
